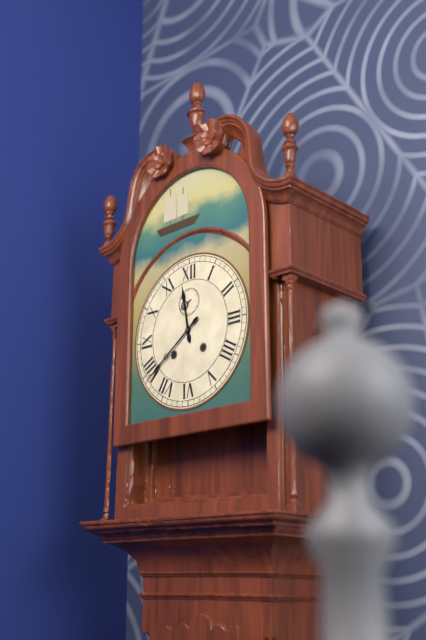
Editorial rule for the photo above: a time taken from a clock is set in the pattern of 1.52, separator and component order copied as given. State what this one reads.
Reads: 11.39
